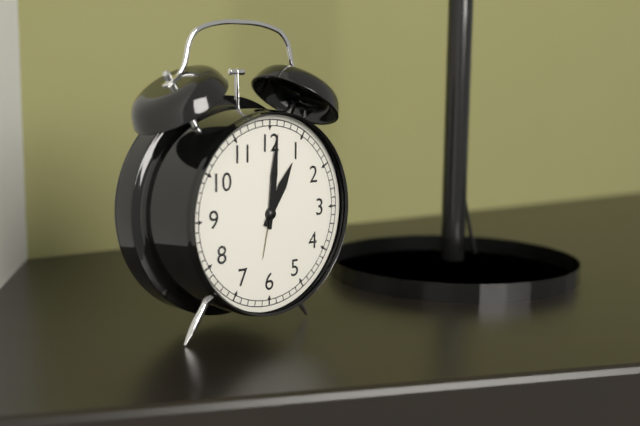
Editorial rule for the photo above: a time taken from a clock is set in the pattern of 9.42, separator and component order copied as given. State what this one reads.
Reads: 1.01
